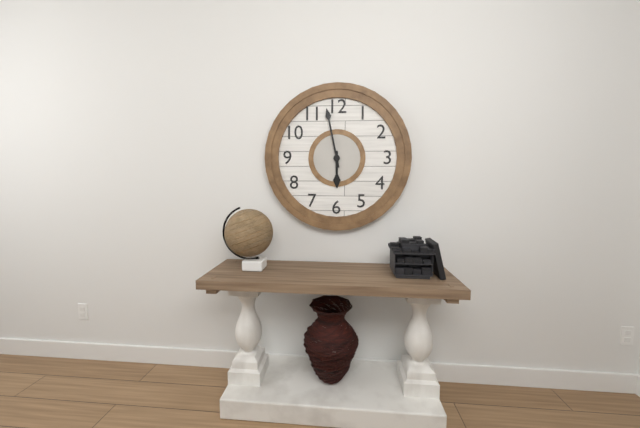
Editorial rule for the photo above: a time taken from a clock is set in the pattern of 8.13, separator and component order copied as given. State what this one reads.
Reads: 5.58
